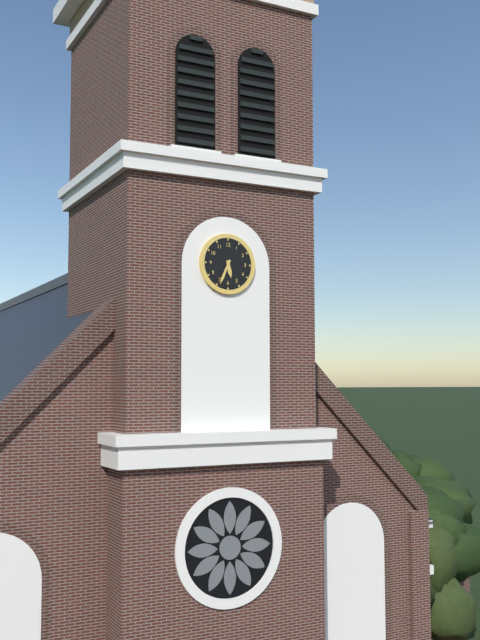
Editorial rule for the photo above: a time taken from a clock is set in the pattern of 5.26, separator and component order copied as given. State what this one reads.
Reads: 5.34
